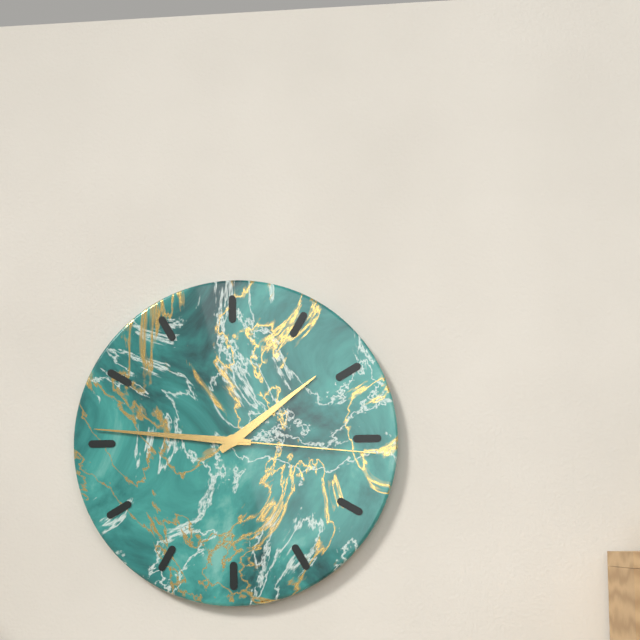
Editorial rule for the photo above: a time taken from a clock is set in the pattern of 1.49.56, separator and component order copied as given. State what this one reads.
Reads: 1.46.16
